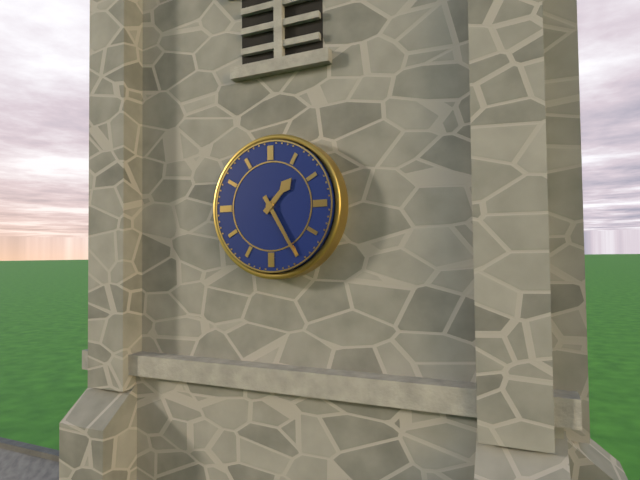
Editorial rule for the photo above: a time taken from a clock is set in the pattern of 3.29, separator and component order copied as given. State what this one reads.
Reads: 1.25
